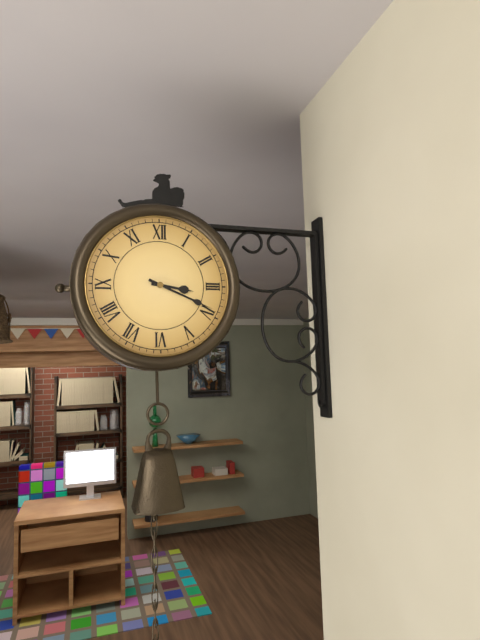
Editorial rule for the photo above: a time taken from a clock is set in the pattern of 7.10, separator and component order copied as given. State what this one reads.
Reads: 3.19
